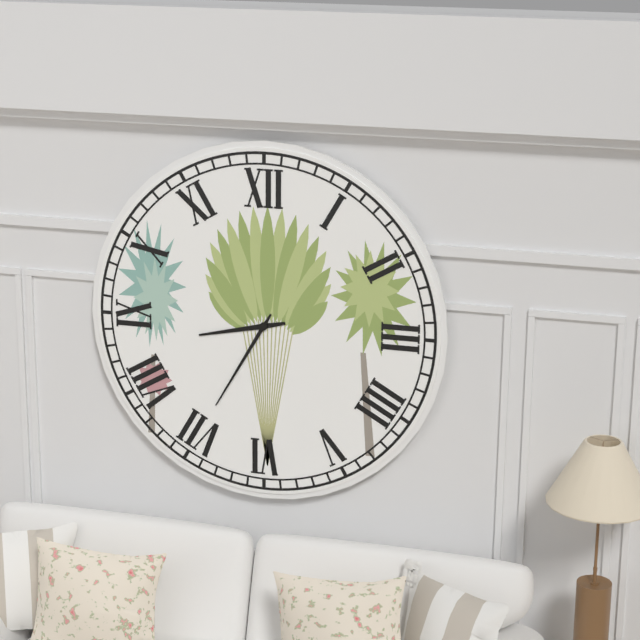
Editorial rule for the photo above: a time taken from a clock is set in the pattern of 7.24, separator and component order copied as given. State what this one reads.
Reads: 8.35
